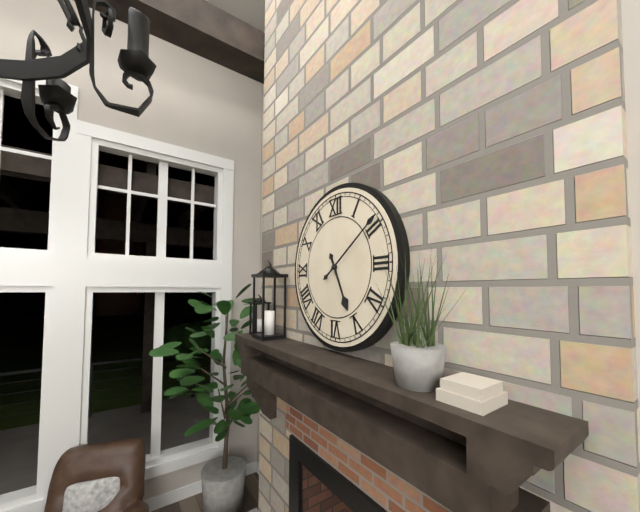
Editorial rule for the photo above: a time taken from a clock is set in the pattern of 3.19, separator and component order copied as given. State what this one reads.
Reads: 5.09
